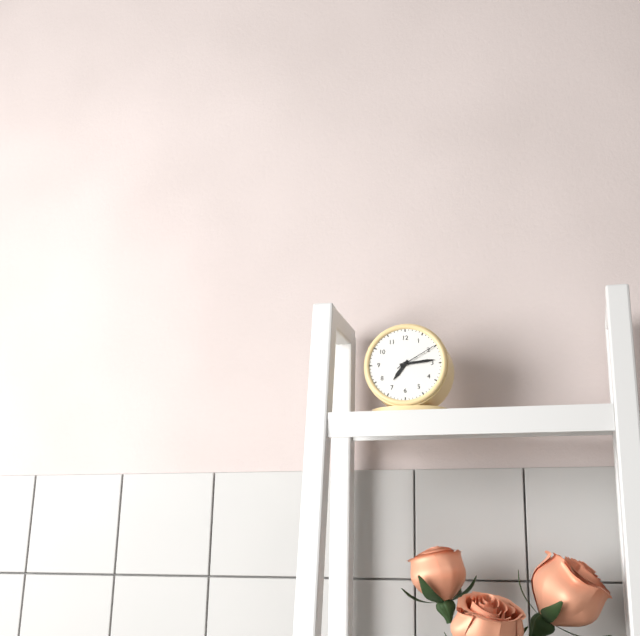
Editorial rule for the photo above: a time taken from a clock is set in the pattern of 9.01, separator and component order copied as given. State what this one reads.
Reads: 7.14
